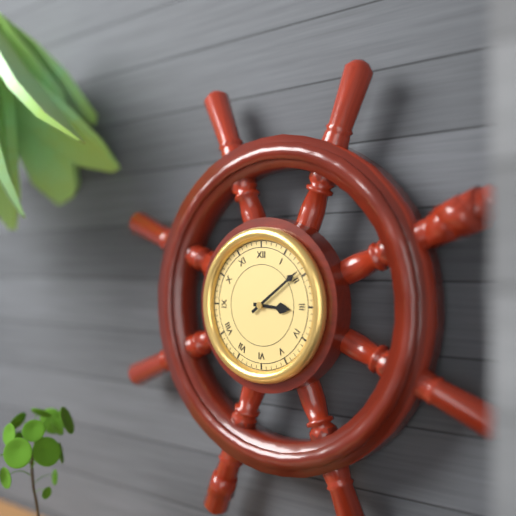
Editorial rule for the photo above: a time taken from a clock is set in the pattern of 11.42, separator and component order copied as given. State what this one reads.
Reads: 3.09
